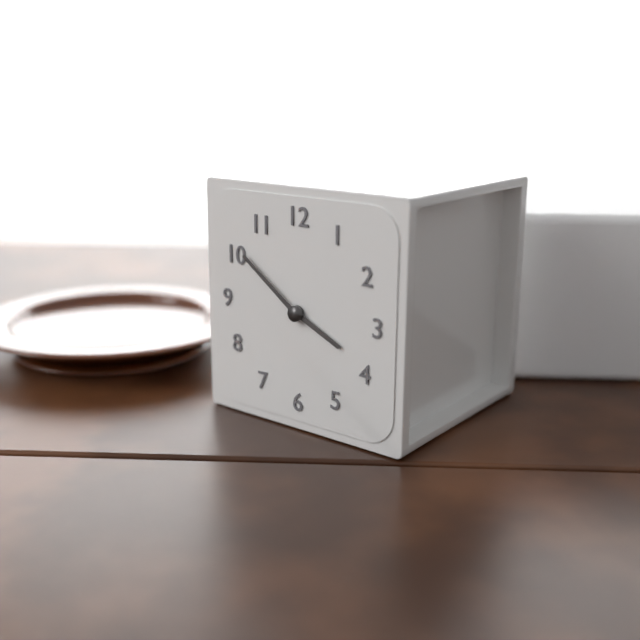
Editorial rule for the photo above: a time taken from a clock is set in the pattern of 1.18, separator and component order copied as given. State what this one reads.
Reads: 3.51
